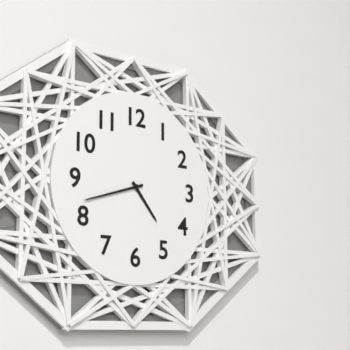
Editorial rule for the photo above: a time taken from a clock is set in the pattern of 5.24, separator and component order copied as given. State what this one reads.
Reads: 4.42
